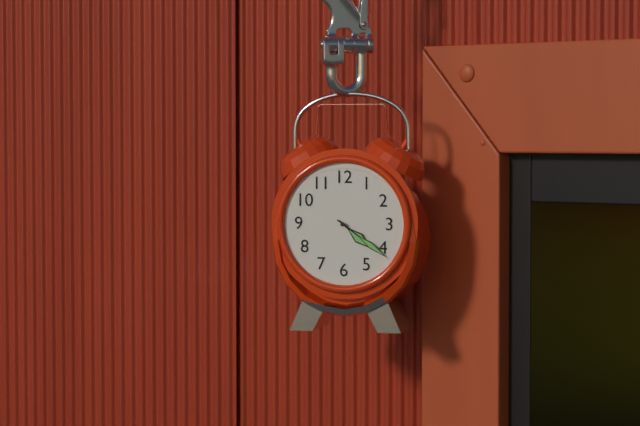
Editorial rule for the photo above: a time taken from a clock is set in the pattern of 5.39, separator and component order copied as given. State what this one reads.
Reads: 4.21
